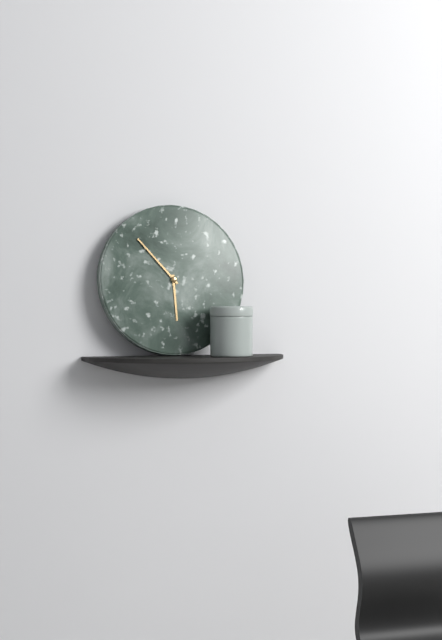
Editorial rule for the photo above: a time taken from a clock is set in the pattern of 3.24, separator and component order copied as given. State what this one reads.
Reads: 5.53
